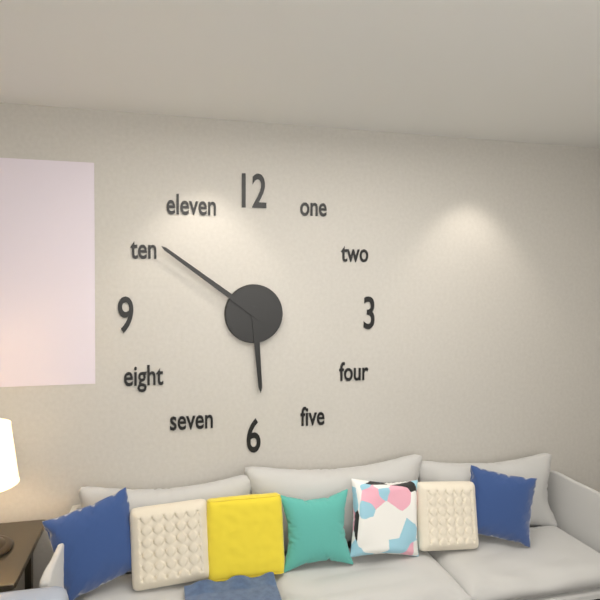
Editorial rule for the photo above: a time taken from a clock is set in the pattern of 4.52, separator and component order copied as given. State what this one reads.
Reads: 5.51
